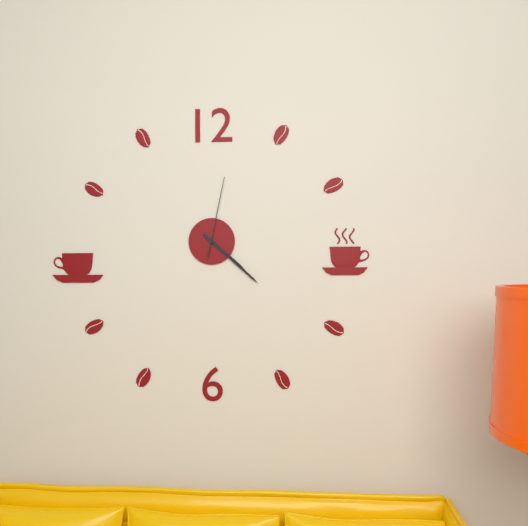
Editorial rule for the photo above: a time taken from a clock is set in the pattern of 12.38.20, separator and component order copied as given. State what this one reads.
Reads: 4.22.02
